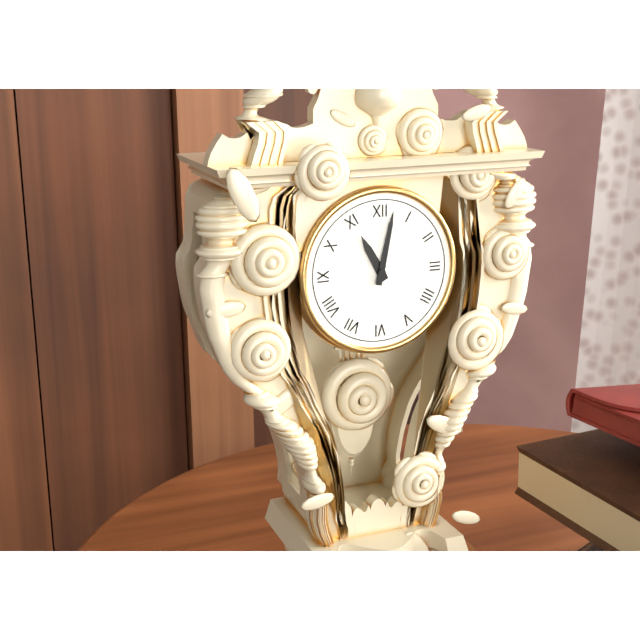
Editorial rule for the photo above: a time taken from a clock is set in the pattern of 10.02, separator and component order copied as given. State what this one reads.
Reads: 11.02
